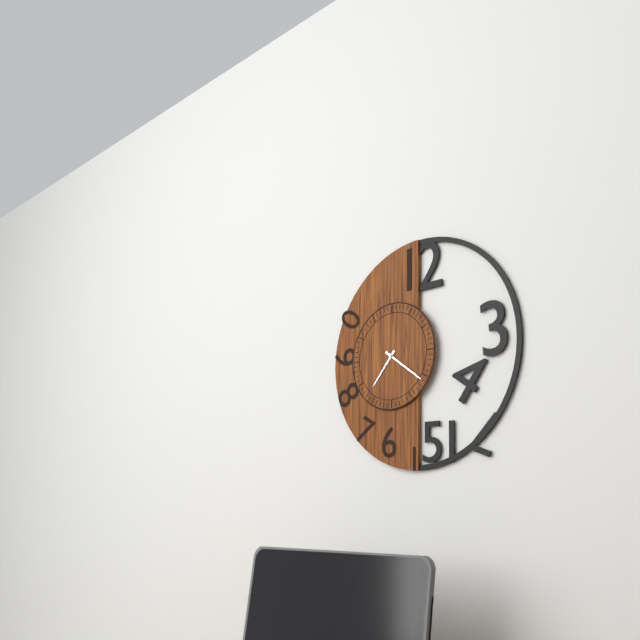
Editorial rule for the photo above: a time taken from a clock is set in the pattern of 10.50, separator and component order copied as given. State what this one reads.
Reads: 7.21
